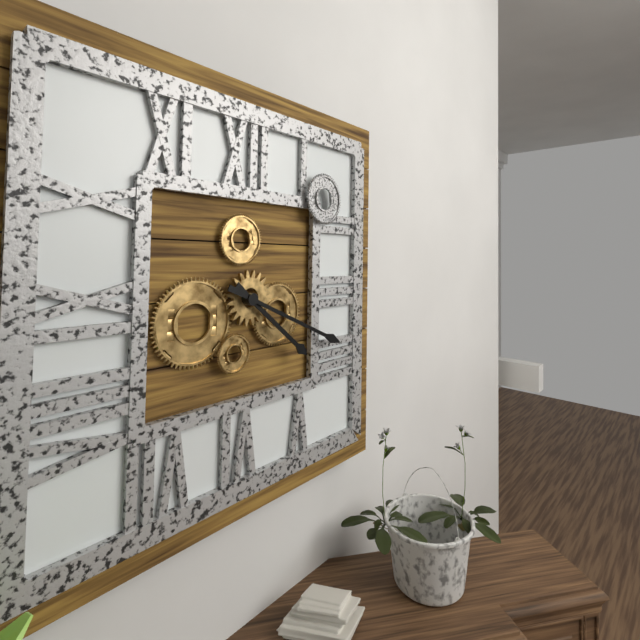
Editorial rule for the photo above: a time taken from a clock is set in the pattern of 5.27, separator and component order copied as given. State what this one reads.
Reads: 4.19
